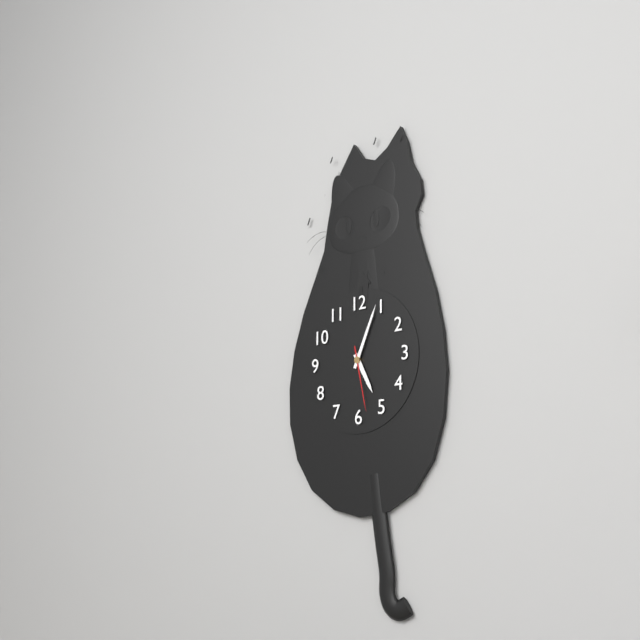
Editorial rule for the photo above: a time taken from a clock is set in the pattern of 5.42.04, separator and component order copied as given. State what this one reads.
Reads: 5.04.28
